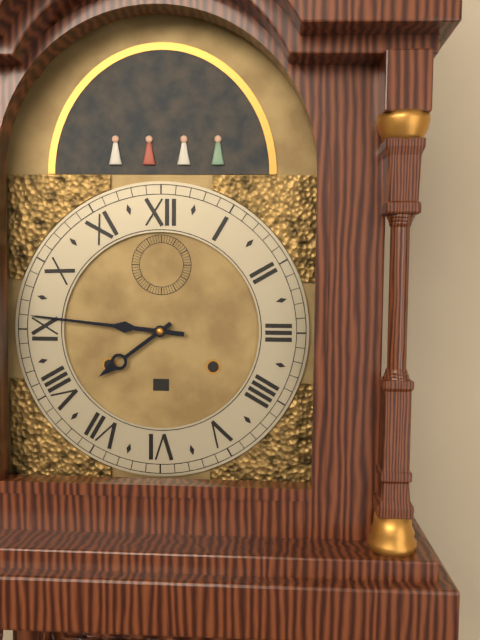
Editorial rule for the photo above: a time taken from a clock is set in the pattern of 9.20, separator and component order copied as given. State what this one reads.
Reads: 7.46
